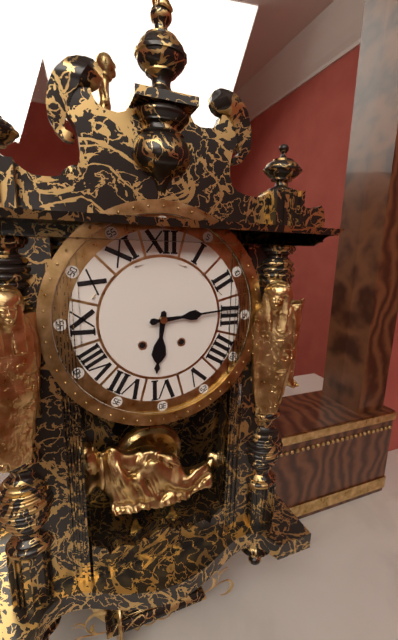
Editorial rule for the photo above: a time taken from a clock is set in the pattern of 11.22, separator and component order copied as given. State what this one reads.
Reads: 6.14
